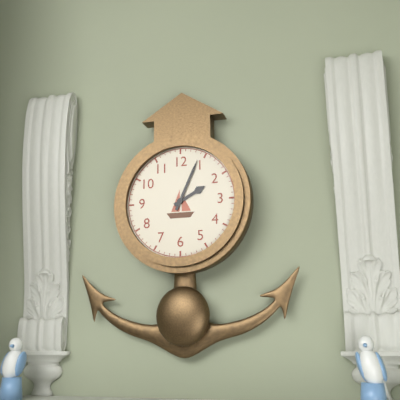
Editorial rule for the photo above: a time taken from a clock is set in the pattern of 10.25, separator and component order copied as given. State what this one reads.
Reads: 2.04
